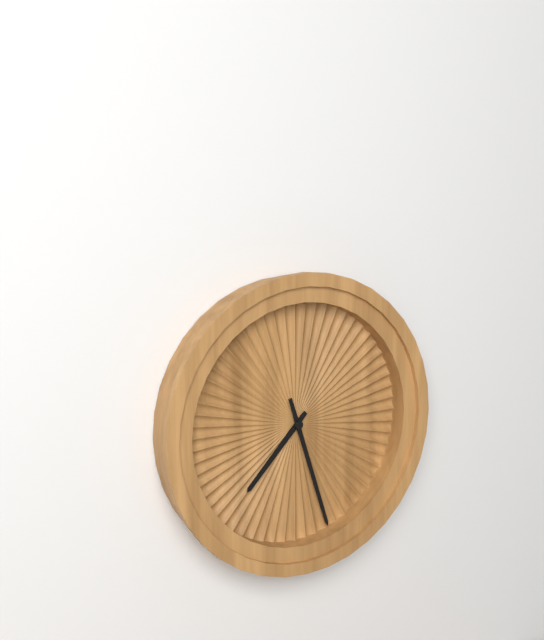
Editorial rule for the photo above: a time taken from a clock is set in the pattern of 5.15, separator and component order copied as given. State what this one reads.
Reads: 7.27
